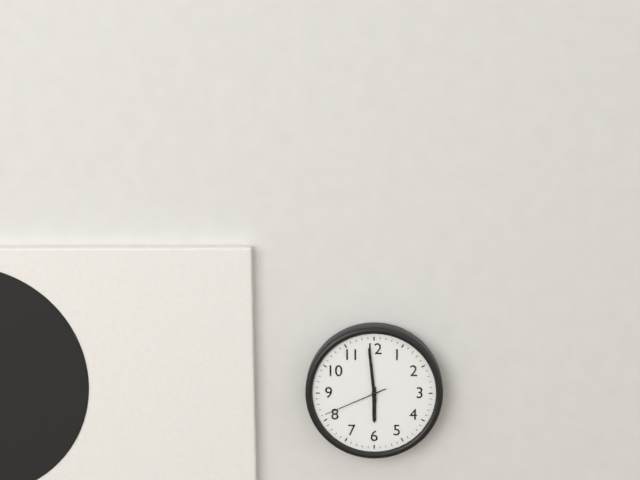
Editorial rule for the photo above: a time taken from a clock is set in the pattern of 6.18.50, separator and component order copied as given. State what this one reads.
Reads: 5.59.41
